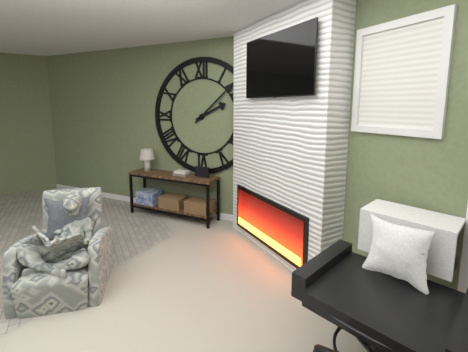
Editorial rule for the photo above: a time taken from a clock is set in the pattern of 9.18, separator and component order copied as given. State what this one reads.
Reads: 2.08
